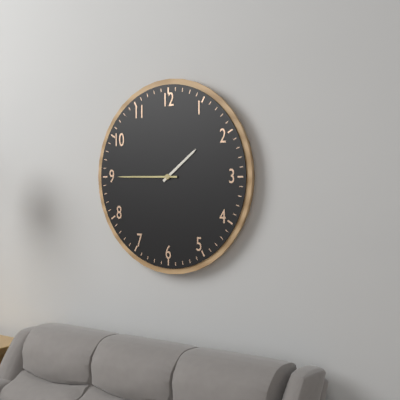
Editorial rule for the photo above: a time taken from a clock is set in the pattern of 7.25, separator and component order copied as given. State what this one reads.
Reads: 1.45
